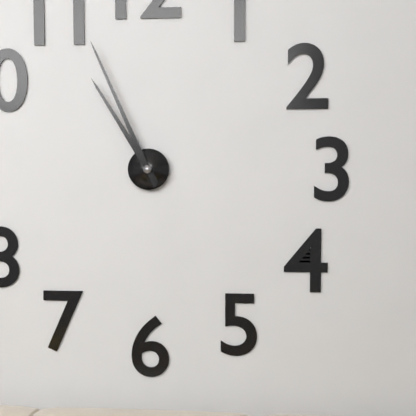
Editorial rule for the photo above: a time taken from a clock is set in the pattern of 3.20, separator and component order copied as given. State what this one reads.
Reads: 10.56
